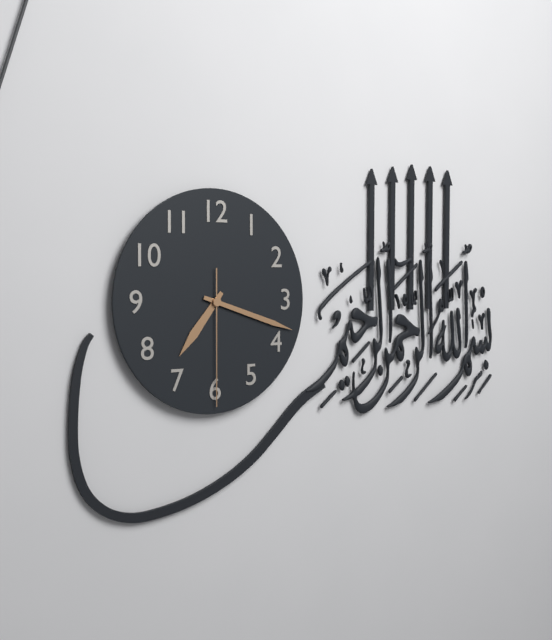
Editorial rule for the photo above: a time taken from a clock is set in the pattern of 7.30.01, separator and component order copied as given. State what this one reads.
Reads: 7.18.30
